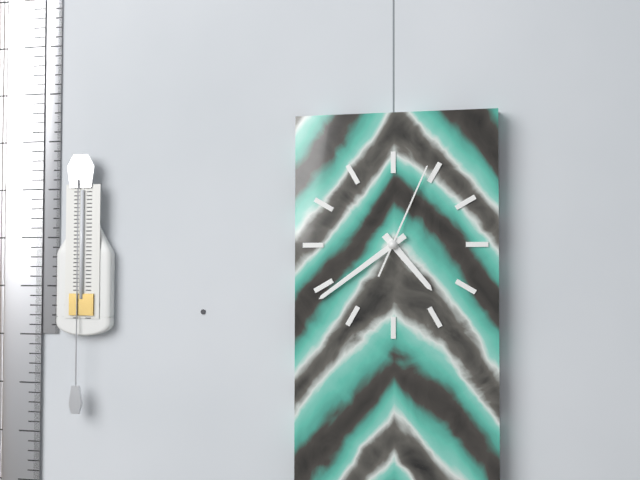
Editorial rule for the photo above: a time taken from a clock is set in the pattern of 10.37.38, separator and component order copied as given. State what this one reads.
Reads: 4.39.04
